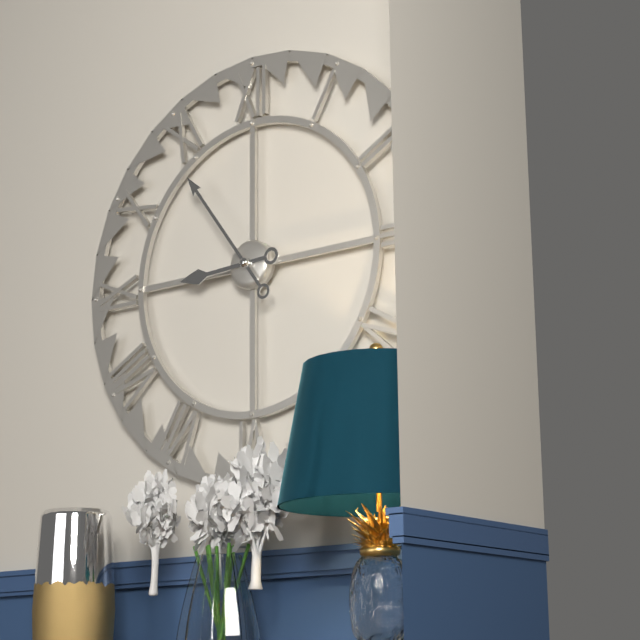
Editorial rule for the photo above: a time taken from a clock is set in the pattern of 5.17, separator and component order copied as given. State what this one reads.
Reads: 8.54
